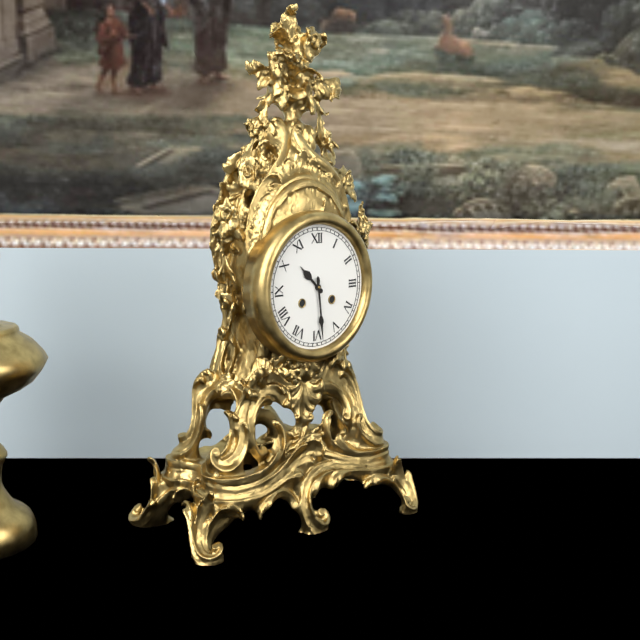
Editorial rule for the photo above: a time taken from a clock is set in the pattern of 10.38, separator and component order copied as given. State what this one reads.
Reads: 10.29
